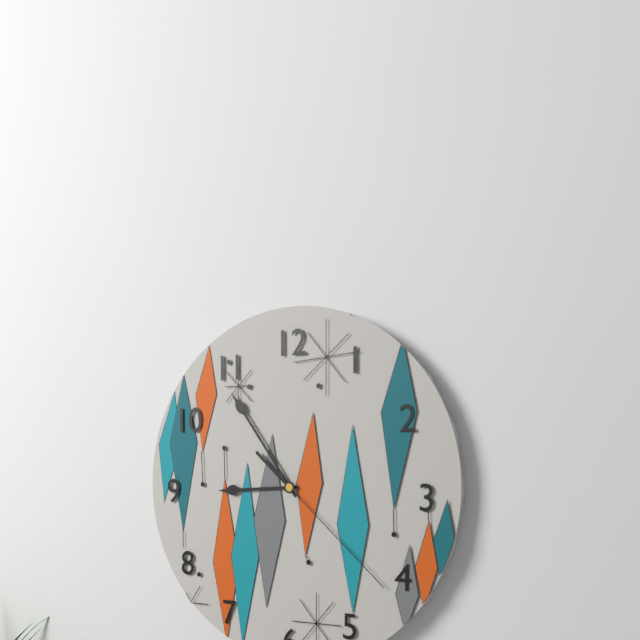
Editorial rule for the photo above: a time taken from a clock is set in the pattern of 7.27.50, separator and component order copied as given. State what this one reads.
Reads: 8.54.22
